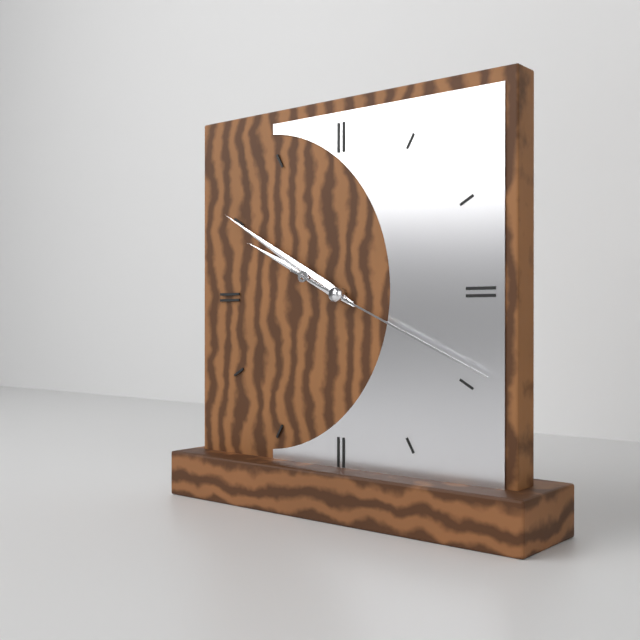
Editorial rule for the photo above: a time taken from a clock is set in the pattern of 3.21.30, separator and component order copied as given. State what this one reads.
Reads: 9.50.19
